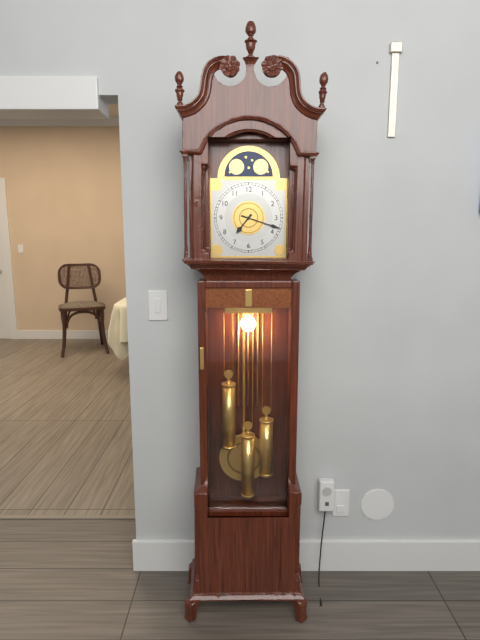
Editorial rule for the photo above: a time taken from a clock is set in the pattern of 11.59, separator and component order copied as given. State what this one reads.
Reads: 7.18
